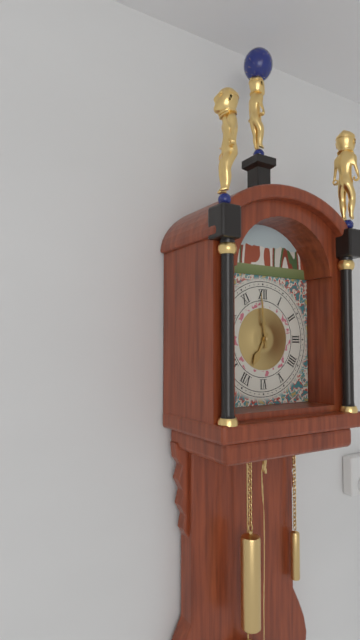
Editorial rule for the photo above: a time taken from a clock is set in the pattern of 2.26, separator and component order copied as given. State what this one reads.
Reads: 6.59
